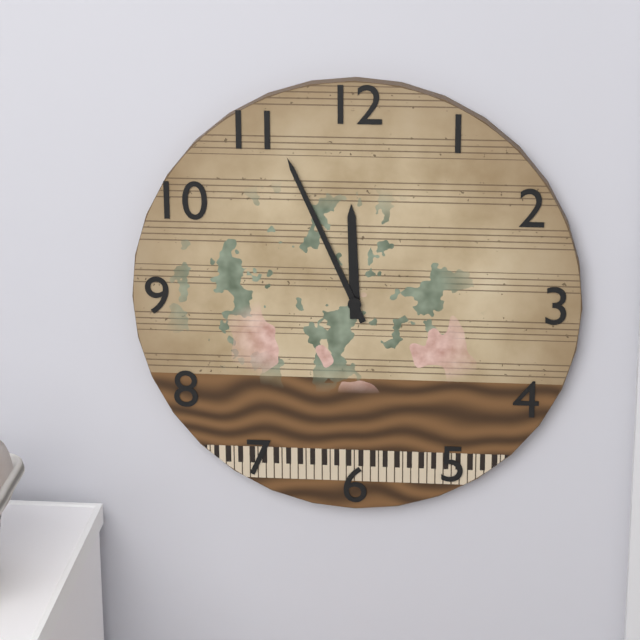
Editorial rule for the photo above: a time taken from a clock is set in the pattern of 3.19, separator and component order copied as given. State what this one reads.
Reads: 11.56
